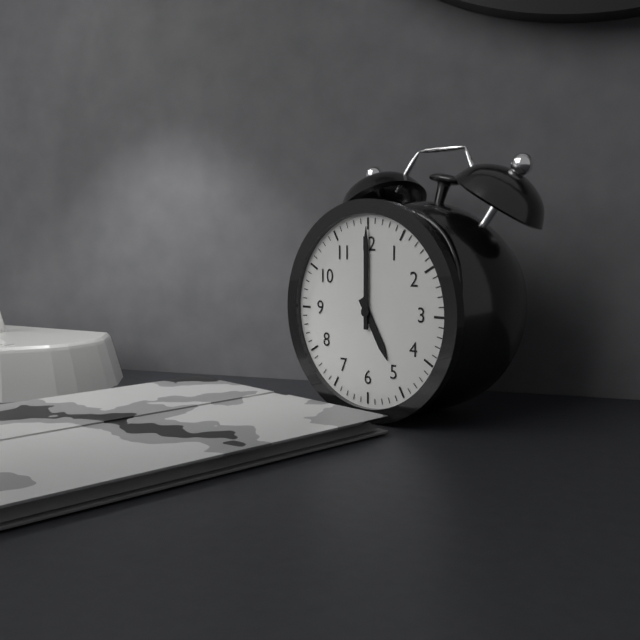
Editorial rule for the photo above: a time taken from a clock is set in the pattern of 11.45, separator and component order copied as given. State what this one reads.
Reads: 5.00
